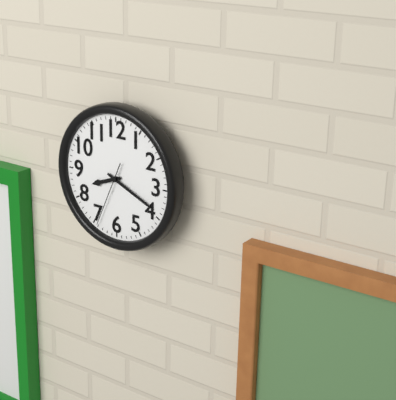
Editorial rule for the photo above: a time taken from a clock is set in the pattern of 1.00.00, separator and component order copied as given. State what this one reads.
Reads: 8.19.34
